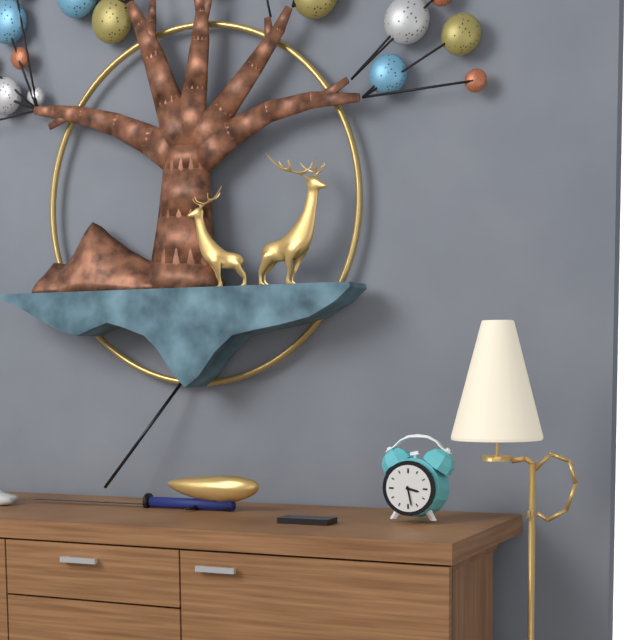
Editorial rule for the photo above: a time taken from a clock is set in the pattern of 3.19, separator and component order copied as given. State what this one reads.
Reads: 3.28
